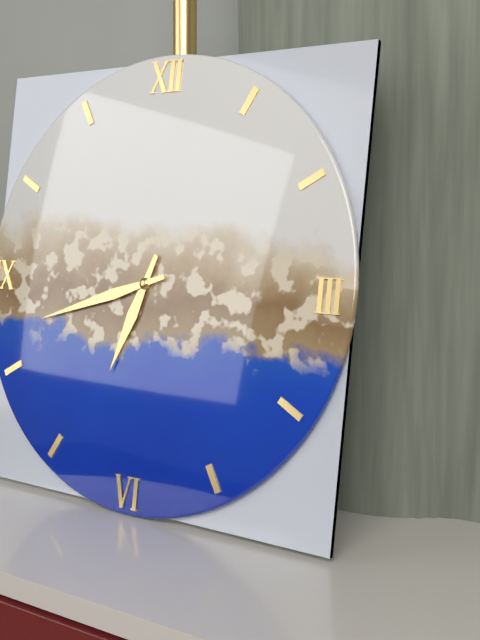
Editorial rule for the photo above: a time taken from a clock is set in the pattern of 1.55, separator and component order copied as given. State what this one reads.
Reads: 6.42
